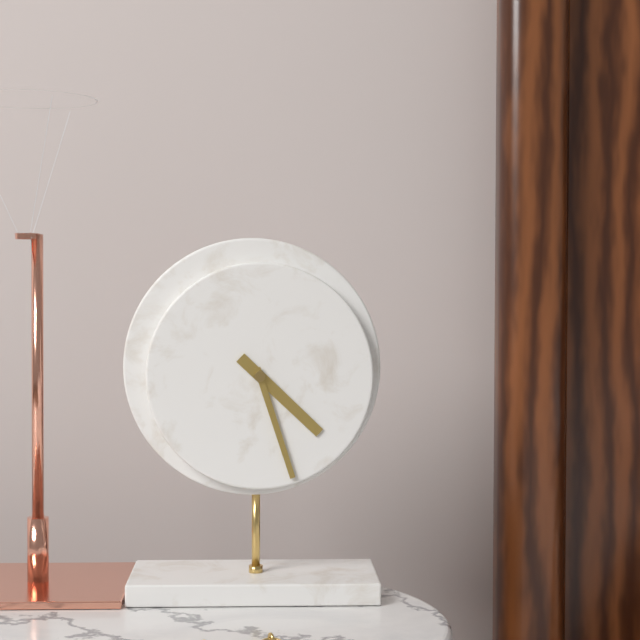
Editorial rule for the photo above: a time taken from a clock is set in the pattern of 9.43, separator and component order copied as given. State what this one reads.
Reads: 4.27
